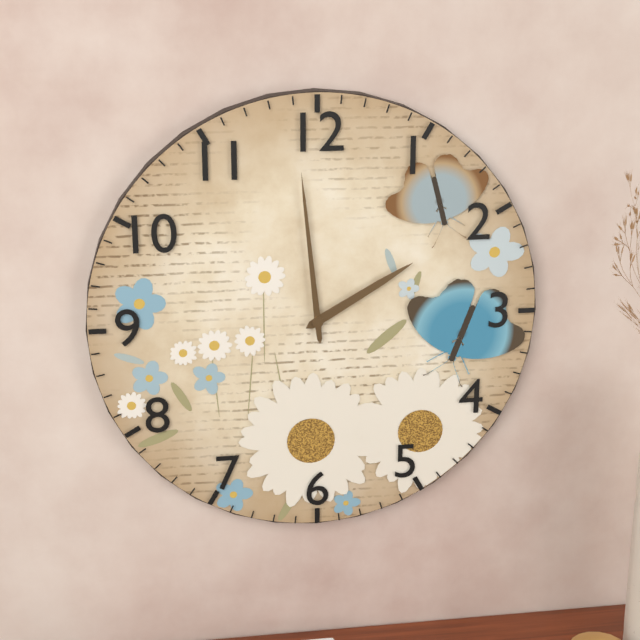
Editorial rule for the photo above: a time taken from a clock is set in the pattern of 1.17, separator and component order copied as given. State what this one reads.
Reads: 1.59
